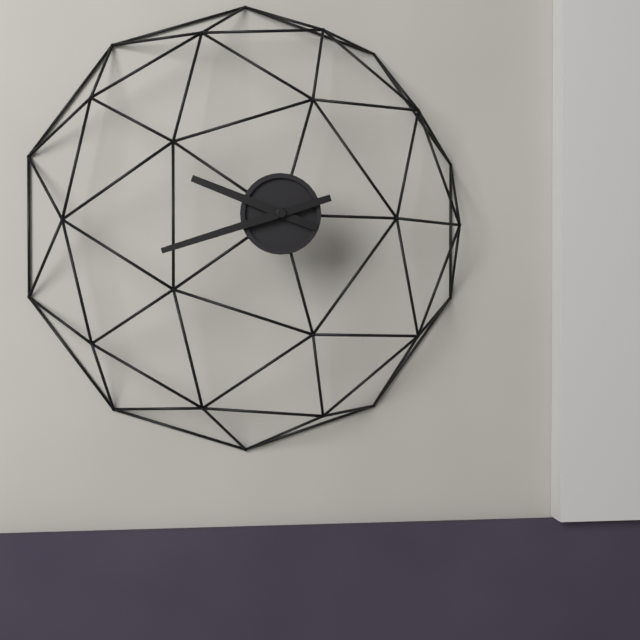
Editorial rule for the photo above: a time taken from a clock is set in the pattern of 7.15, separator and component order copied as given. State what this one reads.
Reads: 9.42
